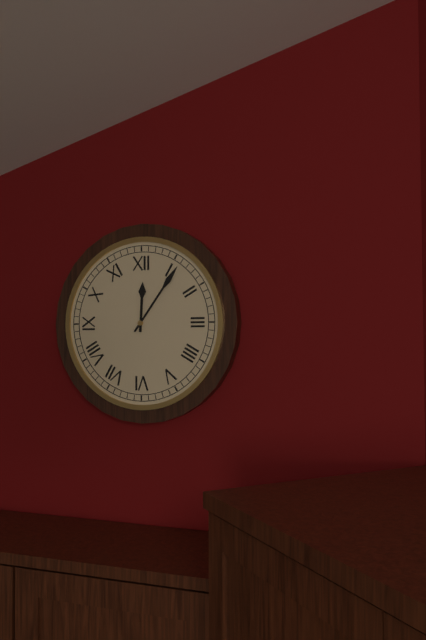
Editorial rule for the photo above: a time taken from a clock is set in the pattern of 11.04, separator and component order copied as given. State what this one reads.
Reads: 12.06
